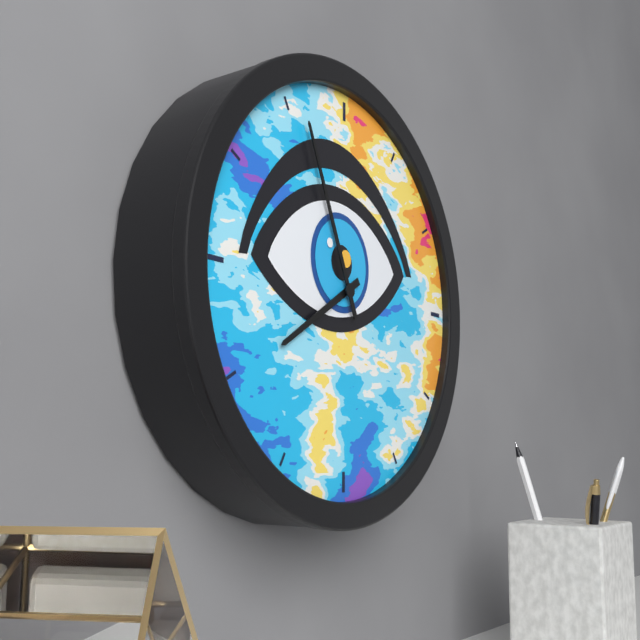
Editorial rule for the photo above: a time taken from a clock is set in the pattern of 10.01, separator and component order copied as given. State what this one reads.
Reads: 7.56
